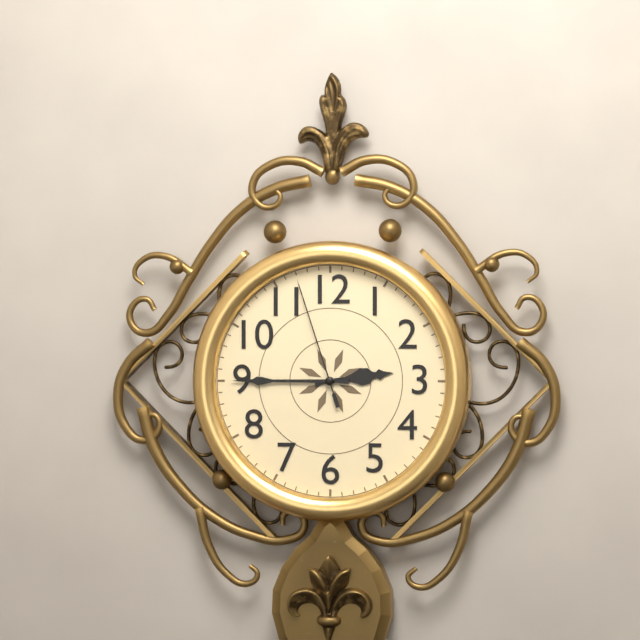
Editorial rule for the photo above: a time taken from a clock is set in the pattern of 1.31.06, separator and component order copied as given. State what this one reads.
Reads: 2.45.57
